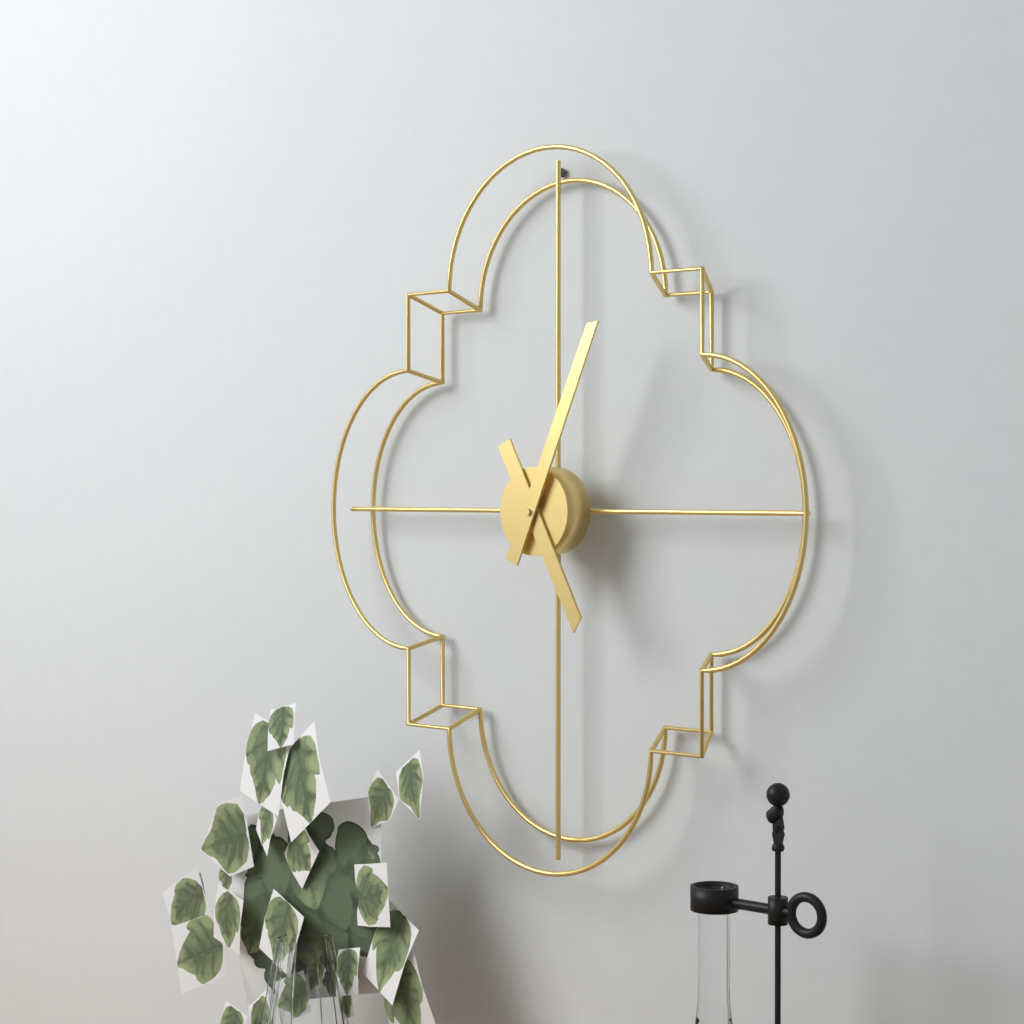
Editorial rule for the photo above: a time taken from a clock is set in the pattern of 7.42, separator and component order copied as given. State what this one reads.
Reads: 5.04
